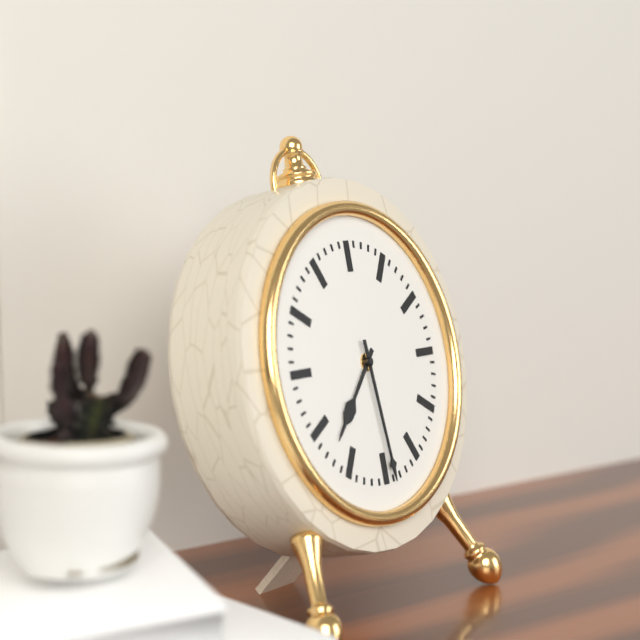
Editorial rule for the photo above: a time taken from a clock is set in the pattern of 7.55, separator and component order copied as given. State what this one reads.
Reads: 7.29
